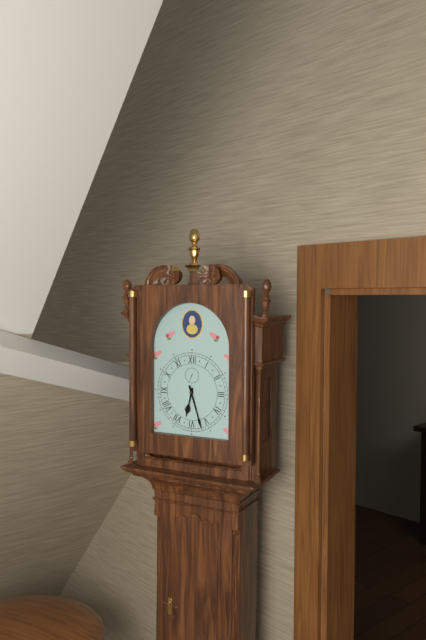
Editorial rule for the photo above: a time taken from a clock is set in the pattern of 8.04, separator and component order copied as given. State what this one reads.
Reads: 6.27
